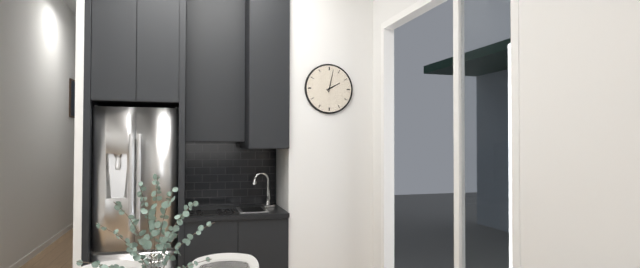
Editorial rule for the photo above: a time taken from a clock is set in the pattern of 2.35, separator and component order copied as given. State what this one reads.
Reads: 2.02
